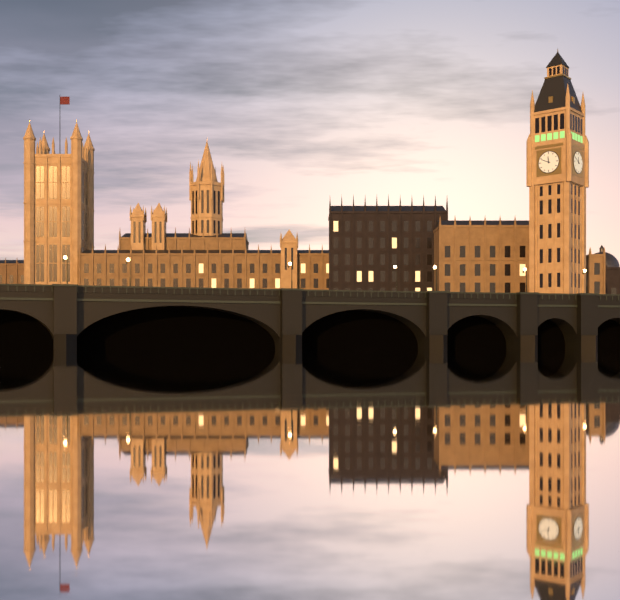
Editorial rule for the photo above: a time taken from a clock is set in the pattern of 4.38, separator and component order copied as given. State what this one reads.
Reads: 11.49
